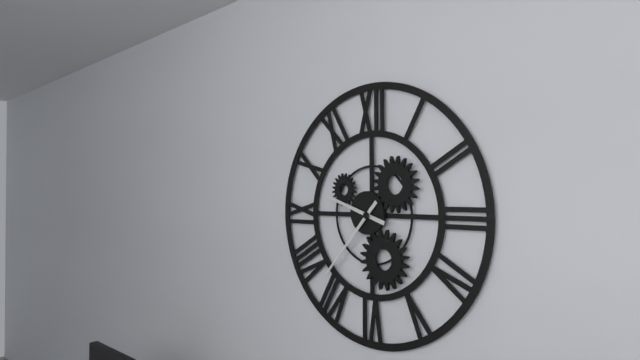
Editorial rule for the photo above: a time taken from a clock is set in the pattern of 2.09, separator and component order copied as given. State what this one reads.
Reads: 9.37
